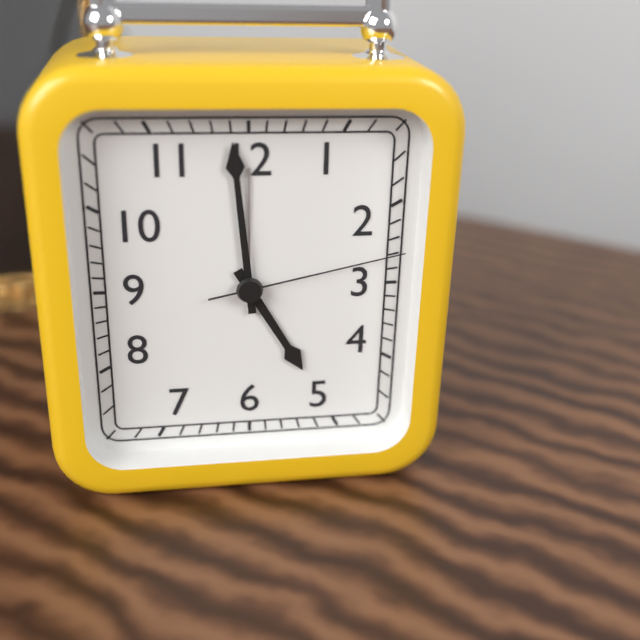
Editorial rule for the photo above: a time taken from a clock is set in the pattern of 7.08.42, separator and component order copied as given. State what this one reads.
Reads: 4.59.13
